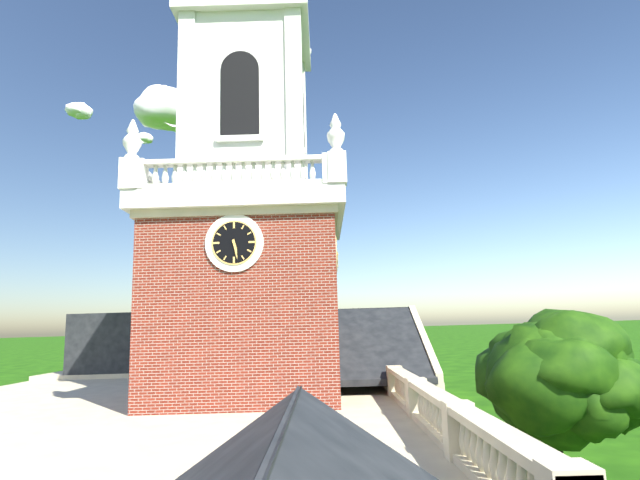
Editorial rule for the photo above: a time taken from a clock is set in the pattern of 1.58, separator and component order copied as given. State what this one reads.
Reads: 5.28
